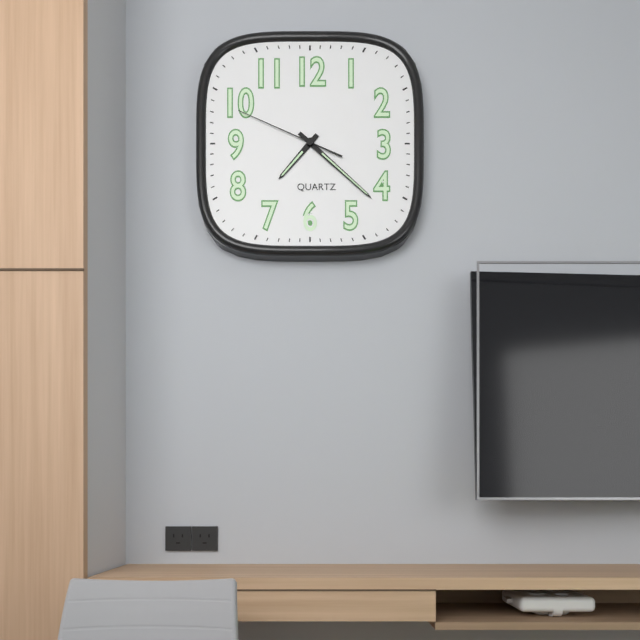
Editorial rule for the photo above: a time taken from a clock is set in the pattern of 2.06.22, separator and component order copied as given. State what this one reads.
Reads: 7.22.49
